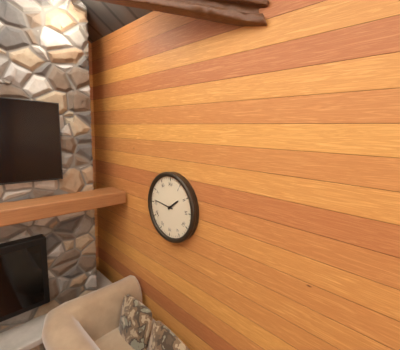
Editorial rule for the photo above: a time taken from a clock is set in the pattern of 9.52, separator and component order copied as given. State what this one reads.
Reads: 1.46
